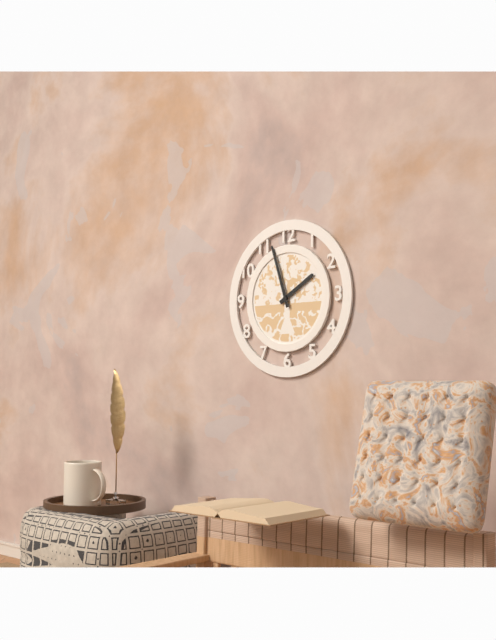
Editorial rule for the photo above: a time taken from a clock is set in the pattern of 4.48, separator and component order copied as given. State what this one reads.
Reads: 1.57
